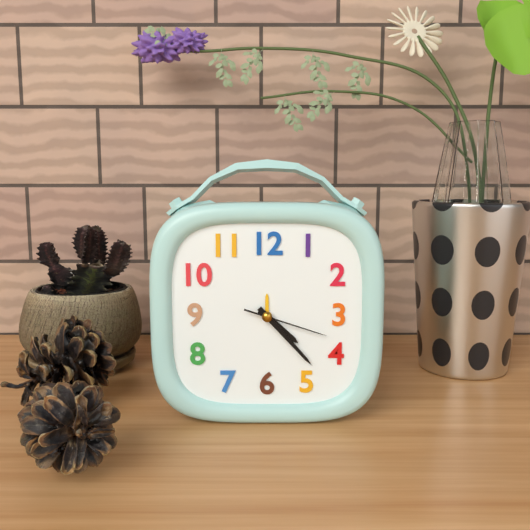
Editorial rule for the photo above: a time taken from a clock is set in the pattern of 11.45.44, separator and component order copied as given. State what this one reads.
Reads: 4.23.18
